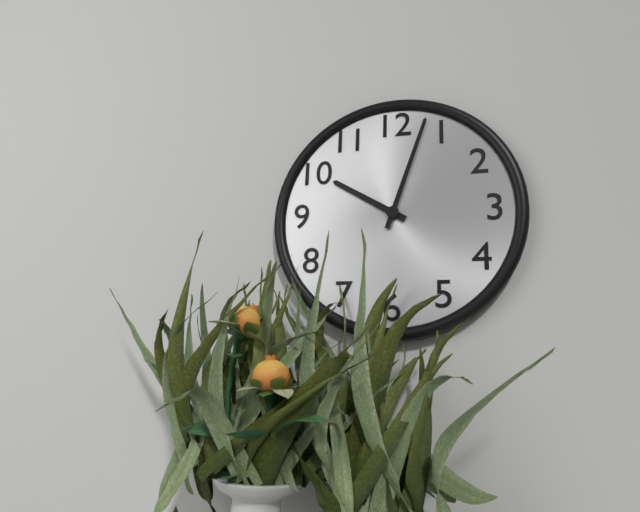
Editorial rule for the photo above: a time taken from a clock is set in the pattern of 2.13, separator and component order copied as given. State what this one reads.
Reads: 10.03
